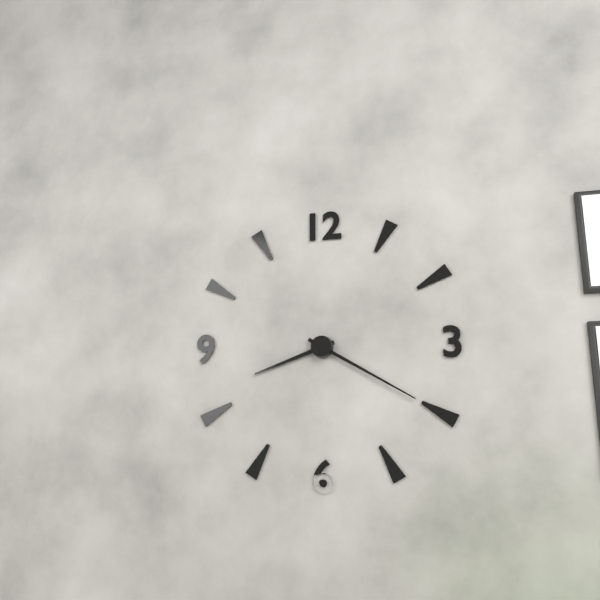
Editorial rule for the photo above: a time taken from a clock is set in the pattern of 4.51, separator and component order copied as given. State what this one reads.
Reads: 8.20
